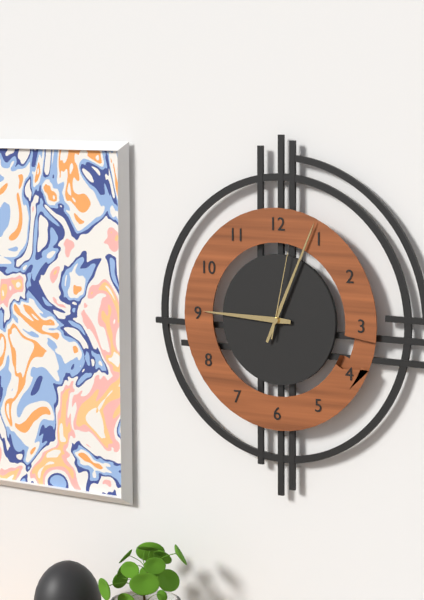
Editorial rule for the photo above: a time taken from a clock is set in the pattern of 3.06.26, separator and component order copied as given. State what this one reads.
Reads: 9.04.02
